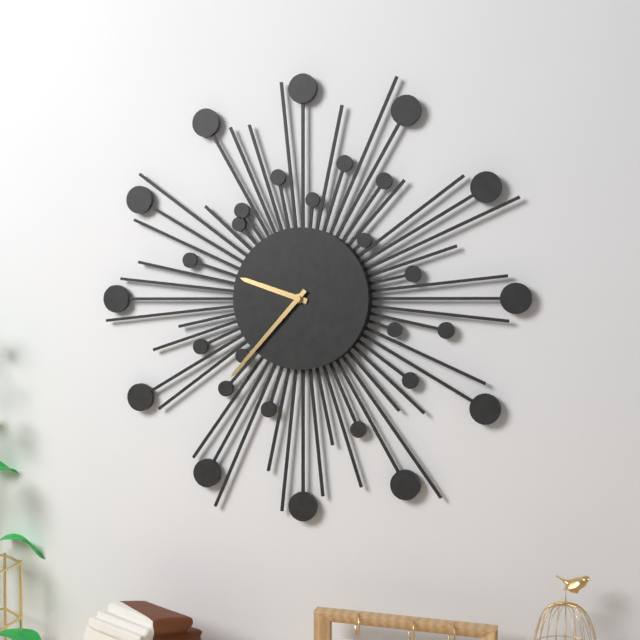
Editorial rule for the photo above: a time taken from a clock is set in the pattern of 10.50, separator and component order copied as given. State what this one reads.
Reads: 9.37
